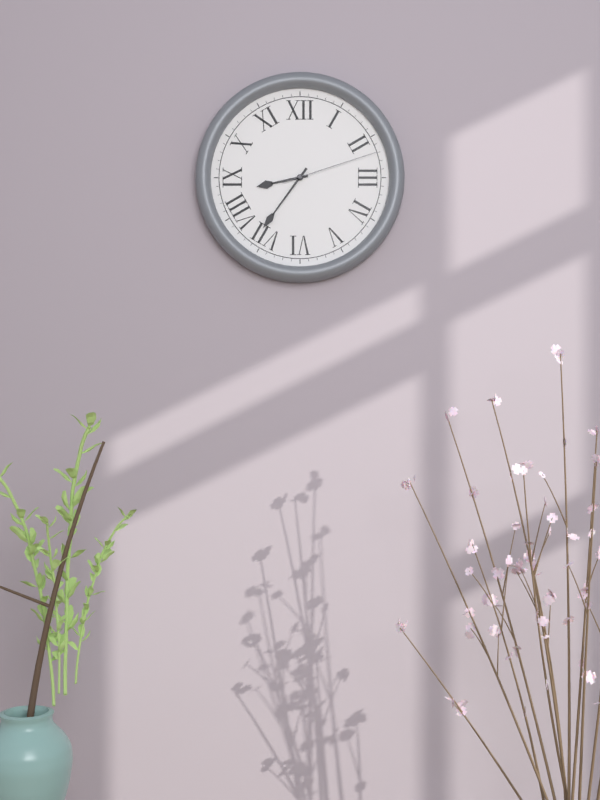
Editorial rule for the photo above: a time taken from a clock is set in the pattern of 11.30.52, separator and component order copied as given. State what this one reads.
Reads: 8.36.12
